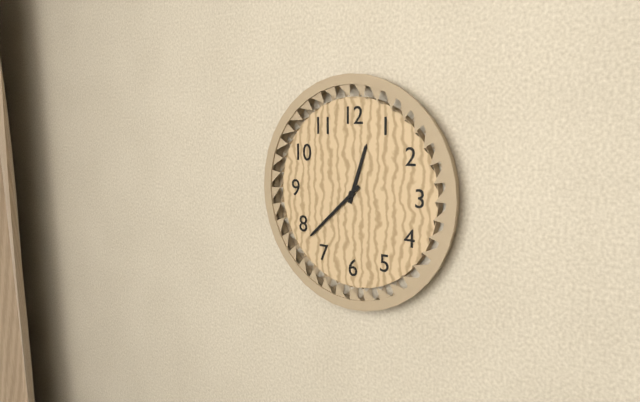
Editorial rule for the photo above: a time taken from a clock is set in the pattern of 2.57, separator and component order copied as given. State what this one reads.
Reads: 12.38
